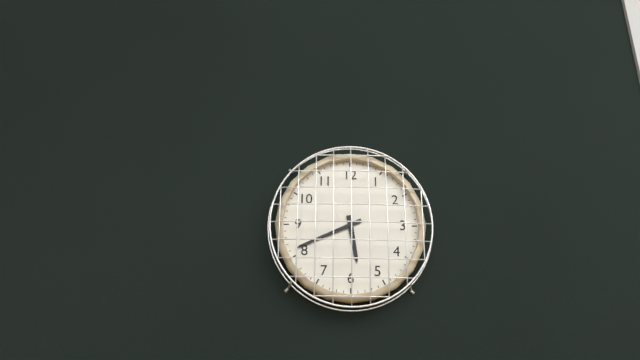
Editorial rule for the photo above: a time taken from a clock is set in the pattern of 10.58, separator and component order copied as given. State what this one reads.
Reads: 5.41
